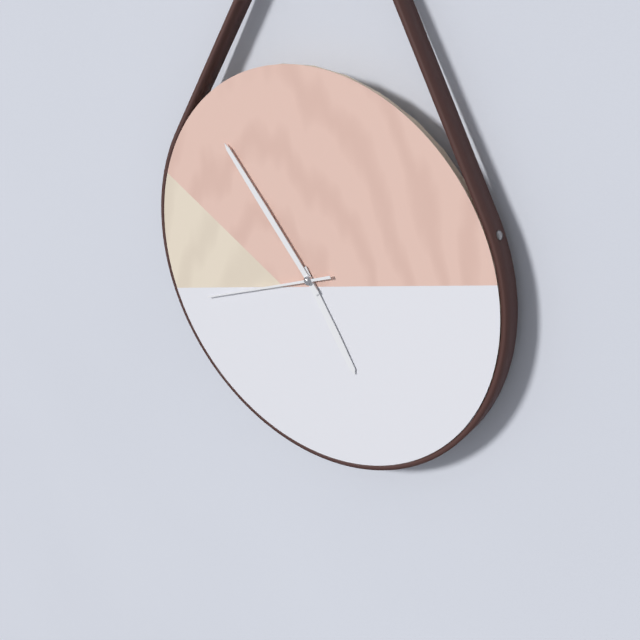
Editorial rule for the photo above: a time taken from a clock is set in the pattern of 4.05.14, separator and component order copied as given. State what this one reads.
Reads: 4.53.41
